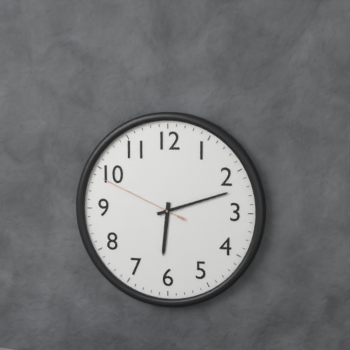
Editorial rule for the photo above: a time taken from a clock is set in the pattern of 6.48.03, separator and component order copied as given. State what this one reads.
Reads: 6.12.49
